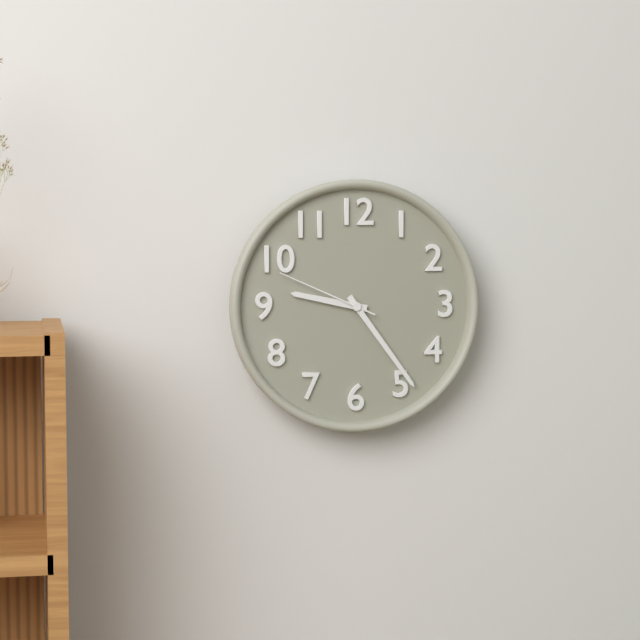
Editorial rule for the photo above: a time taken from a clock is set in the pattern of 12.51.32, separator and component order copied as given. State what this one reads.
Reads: 9.24.49
